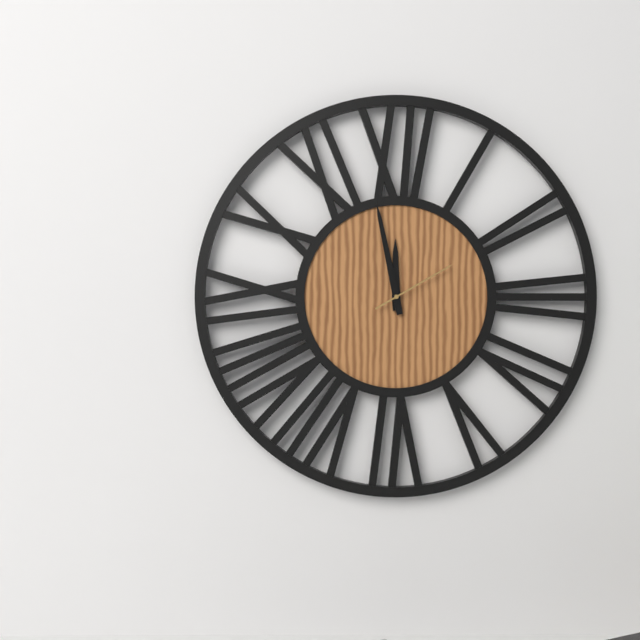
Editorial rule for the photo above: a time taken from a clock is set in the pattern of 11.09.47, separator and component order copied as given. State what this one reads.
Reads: 11.58.10
